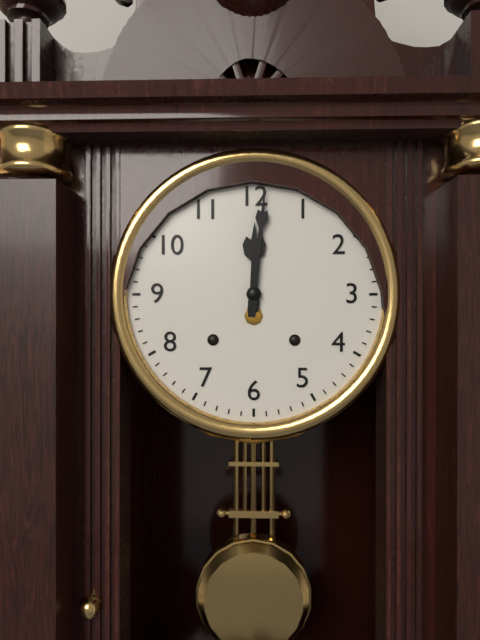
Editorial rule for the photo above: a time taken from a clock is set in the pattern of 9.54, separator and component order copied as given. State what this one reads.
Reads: 12.01
